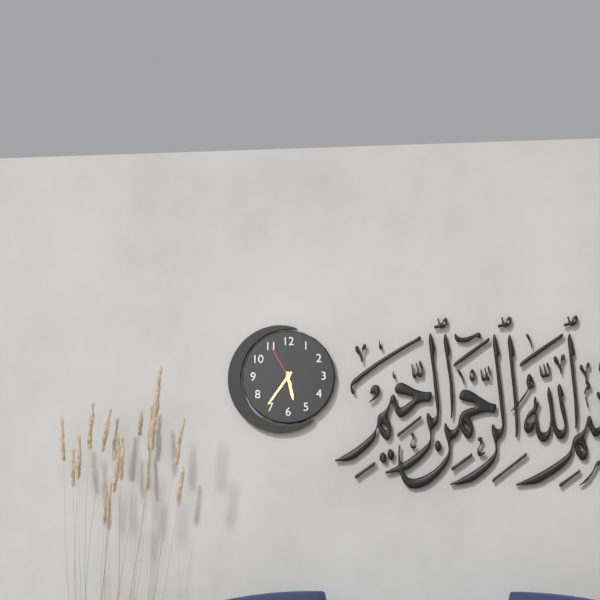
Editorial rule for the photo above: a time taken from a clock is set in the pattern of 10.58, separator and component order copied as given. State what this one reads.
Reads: 5.36
